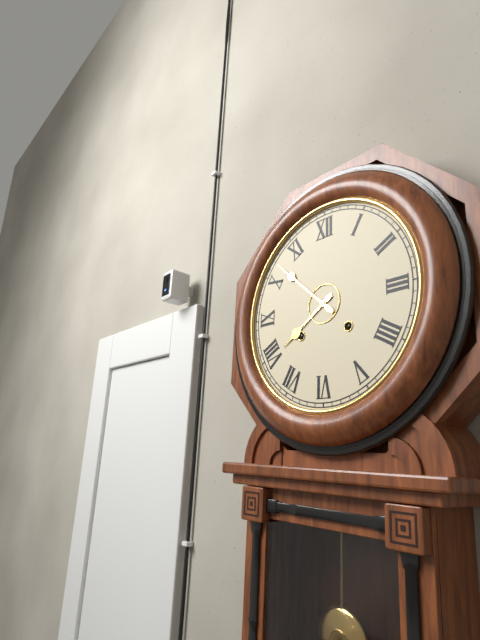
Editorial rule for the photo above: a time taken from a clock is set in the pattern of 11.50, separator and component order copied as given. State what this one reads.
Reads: 7.52
